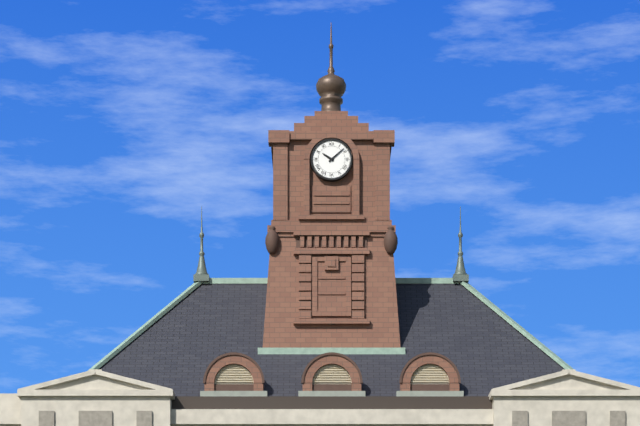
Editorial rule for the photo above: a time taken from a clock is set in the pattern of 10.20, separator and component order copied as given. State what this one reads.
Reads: 10.08
